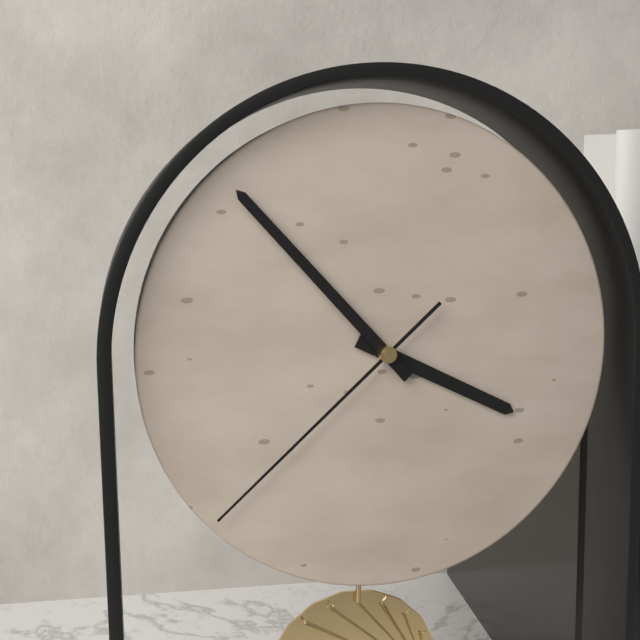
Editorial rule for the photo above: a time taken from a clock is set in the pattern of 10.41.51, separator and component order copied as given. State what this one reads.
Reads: 3.53.38
